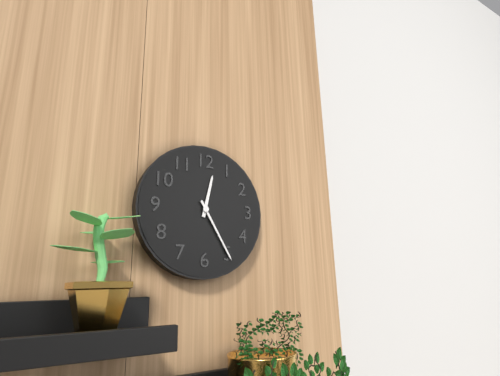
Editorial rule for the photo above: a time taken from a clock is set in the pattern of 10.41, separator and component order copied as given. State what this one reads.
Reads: 12.25
